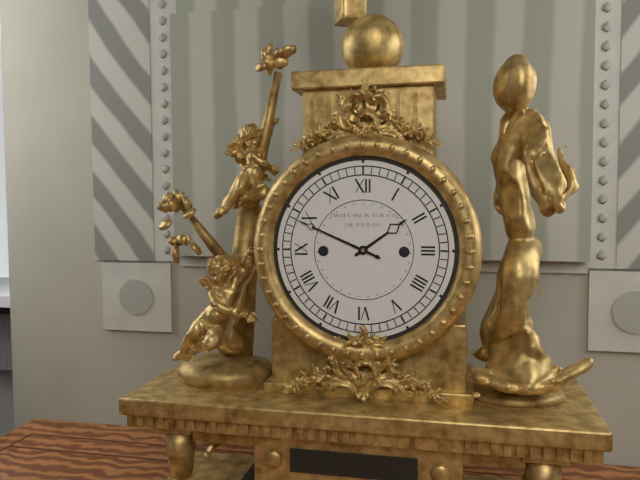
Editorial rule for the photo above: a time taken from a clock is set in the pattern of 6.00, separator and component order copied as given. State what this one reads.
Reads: 1.49
